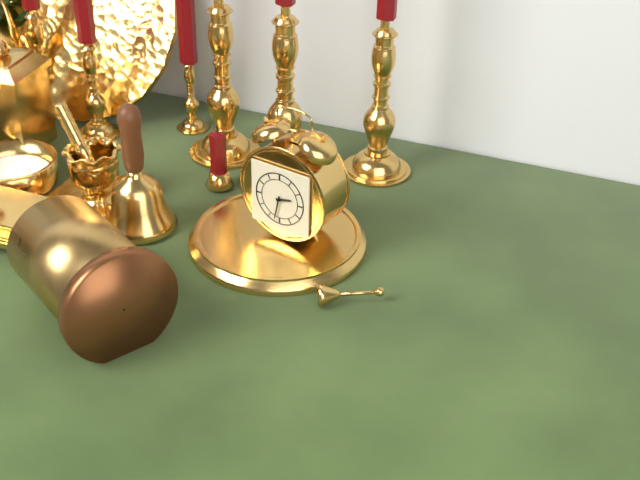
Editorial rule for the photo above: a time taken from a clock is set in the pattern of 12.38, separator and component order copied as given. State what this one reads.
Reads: 2.32
